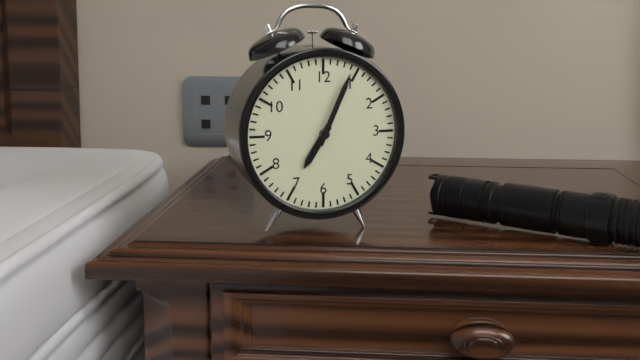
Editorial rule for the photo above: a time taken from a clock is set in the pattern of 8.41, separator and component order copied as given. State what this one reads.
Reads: 7.04
